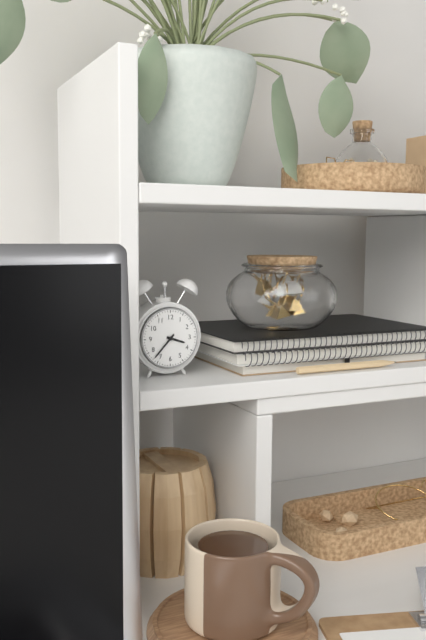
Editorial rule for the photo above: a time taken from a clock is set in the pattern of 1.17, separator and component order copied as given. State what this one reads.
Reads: 3.37
